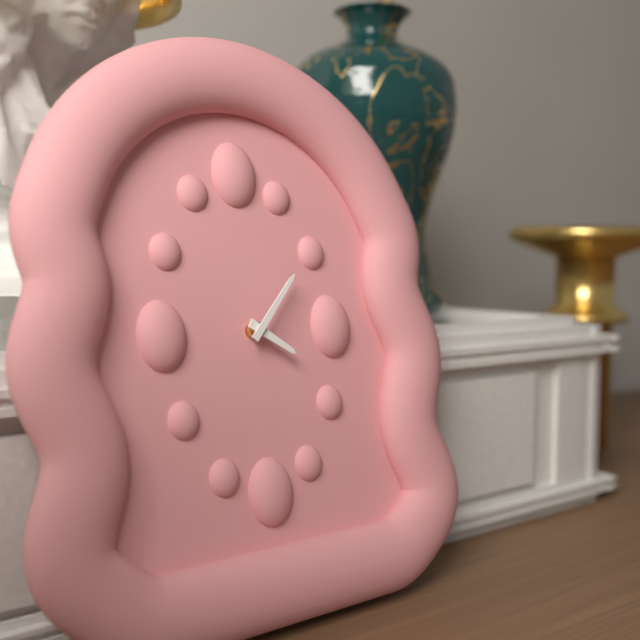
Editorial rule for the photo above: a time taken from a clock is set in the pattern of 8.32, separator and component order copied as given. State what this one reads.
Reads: 4.07
